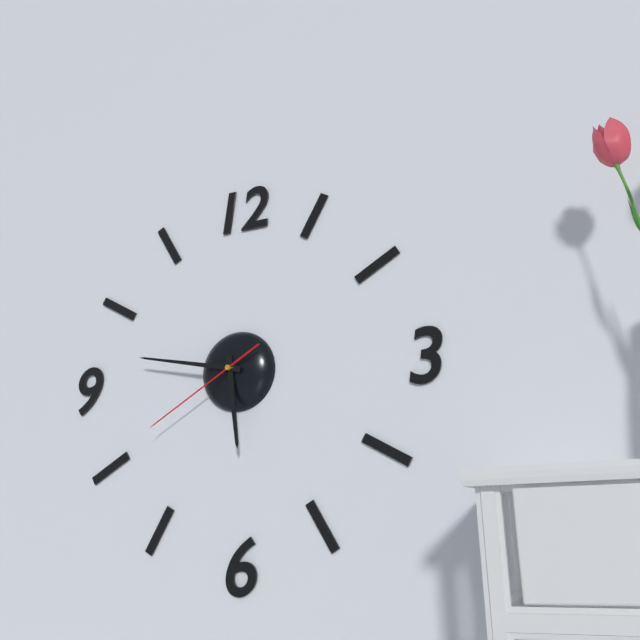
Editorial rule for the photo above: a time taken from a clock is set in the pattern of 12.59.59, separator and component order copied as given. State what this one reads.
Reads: 5.47.40
